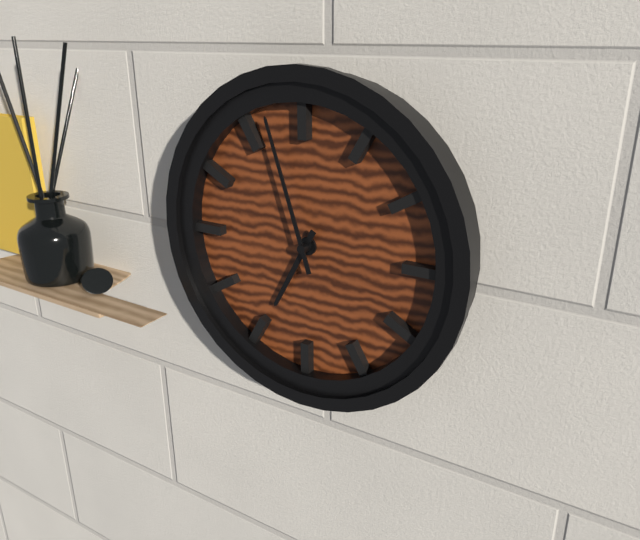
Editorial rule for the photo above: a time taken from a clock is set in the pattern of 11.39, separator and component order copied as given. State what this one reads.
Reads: 6.57
